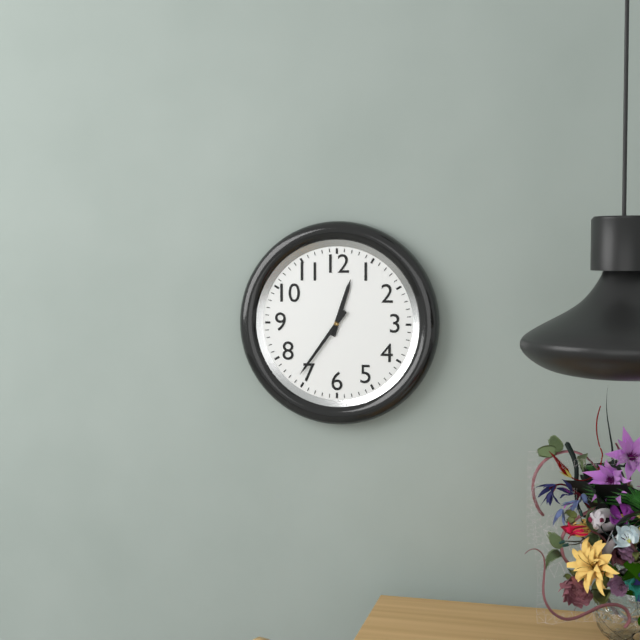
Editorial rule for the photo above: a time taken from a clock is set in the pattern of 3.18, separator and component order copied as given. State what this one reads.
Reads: 12.36
